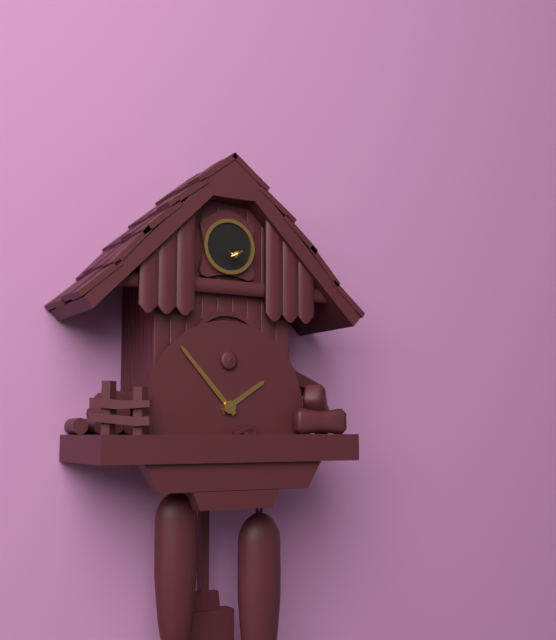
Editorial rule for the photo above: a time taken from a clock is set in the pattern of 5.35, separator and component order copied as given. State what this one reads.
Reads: 1.53
